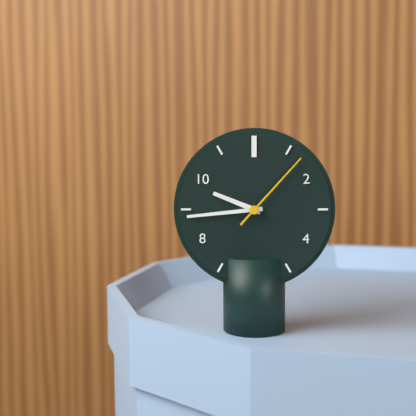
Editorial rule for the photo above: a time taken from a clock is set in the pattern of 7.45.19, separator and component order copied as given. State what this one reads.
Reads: 9.44.07
